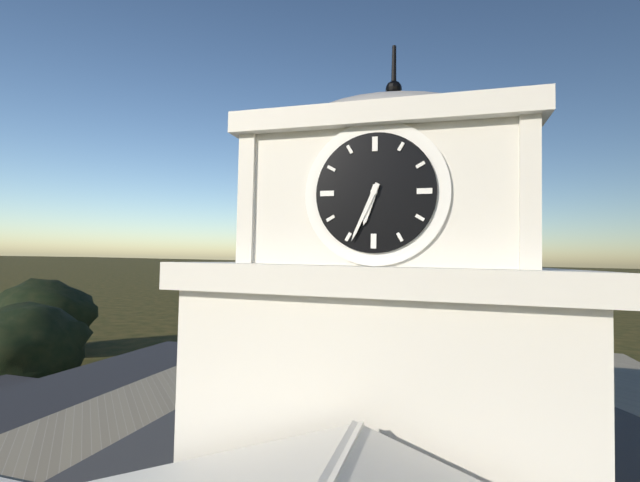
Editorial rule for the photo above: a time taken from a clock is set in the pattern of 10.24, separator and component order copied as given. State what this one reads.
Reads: 6.34
